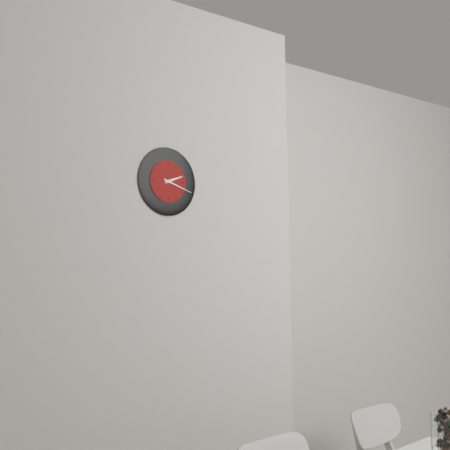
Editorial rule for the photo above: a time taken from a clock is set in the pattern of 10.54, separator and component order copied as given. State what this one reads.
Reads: 2.18
